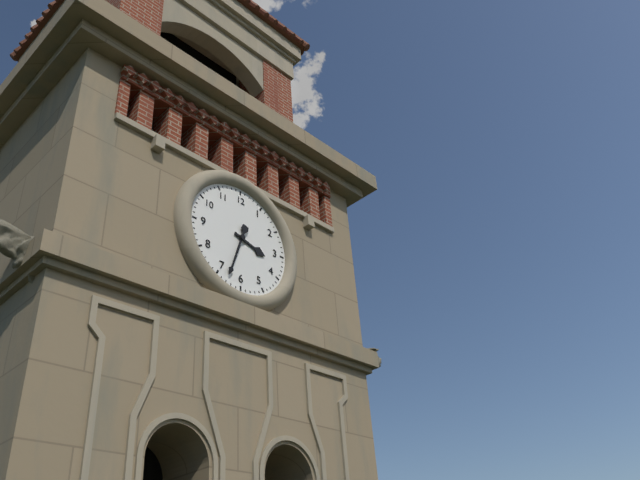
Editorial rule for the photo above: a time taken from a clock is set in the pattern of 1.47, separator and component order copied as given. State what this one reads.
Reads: 3.33
